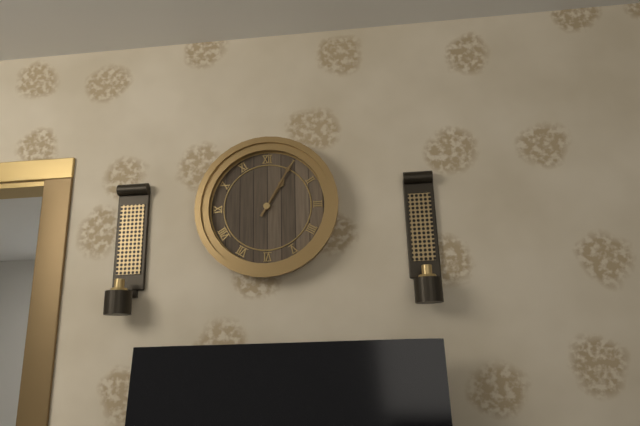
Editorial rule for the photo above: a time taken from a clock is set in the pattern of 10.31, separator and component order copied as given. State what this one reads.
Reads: 1.05
